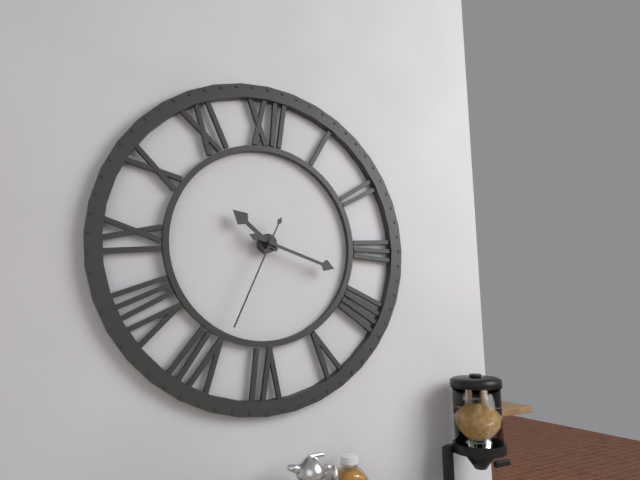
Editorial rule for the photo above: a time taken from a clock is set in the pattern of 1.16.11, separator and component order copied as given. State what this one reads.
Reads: 10.18.34
